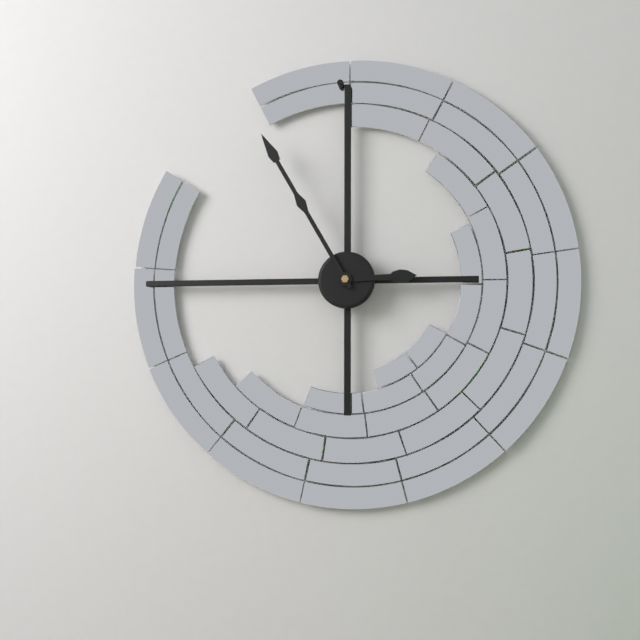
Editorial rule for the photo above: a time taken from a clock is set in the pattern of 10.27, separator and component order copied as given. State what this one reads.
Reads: 2.55
